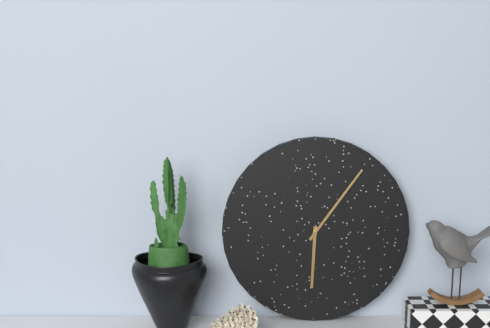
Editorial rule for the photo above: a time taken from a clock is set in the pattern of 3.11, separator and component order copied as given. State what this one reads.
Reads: 6.06
